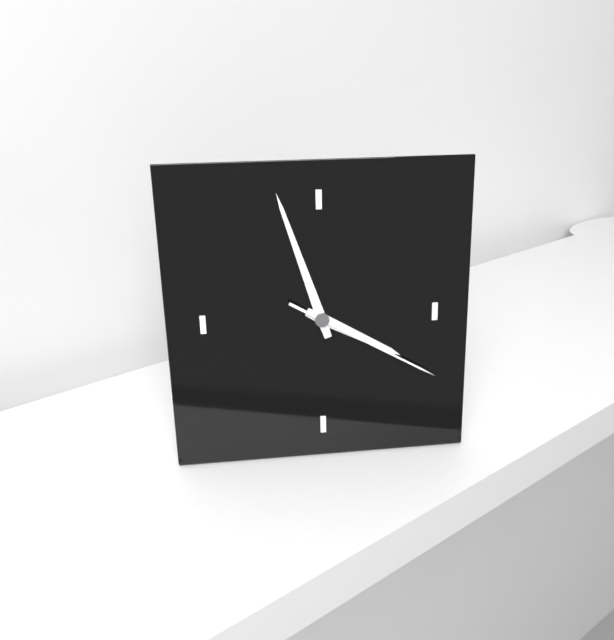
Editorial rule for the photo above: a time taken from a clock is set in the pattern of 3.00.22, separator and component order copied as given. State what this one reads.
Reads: 3.57.20
